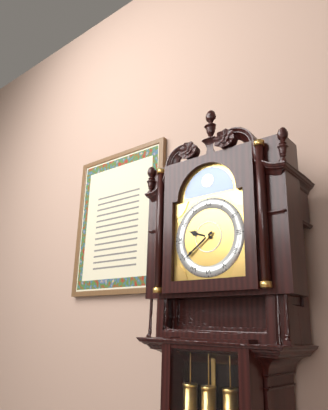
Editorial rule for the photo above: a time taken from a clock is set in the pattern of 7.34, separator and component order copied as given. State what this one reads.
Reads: 9.39
